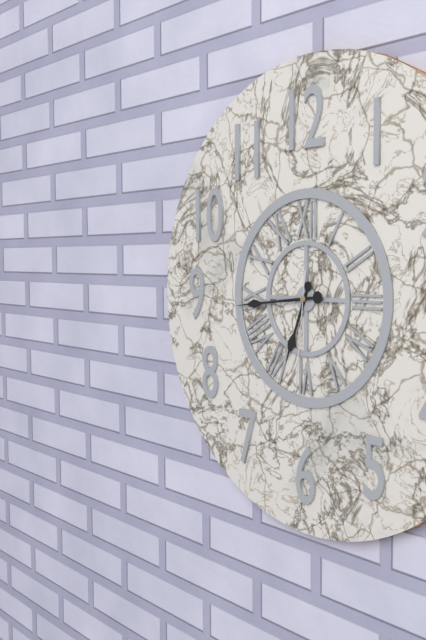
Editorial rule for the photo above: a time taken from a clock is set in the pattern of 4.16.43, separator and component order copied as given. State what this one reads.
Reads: 6.44.31
